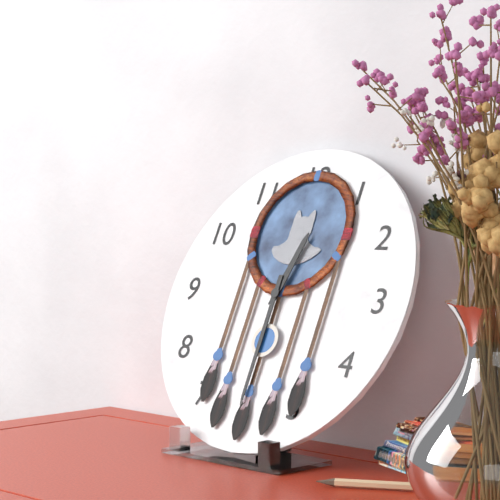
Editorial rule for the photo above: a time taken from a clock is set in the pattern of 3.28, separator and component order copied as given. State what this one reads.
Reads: 12.30
